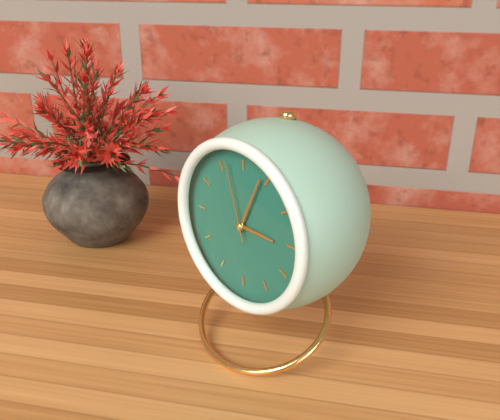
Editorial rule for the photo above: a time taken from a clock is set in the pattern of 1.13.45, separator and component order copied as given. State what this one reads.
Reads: 3.04.57
